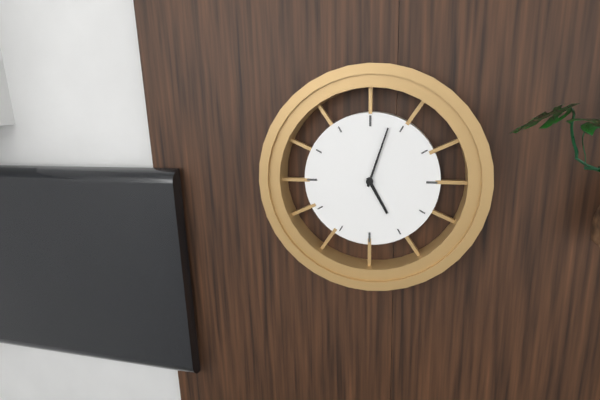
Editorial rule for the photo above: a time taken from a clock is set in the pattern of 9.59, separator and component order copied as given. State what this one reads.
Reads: 5.03
